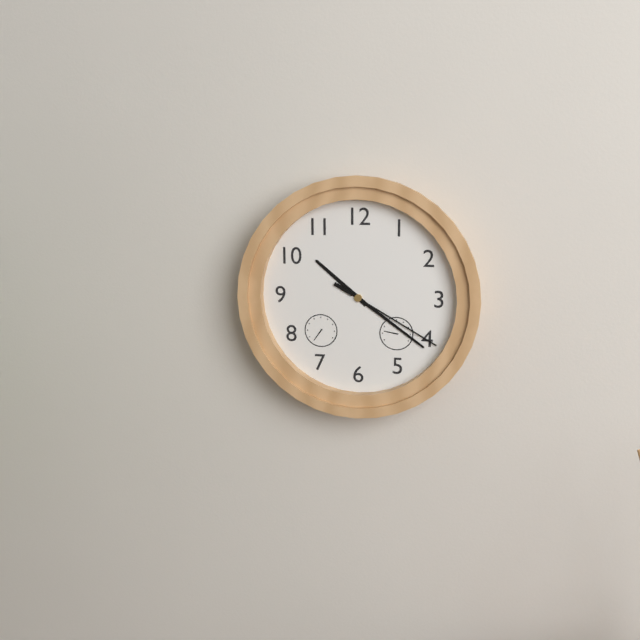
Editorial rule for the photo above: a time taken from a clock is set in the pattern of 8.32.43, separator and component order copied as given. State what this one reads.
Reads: 10.21.20
